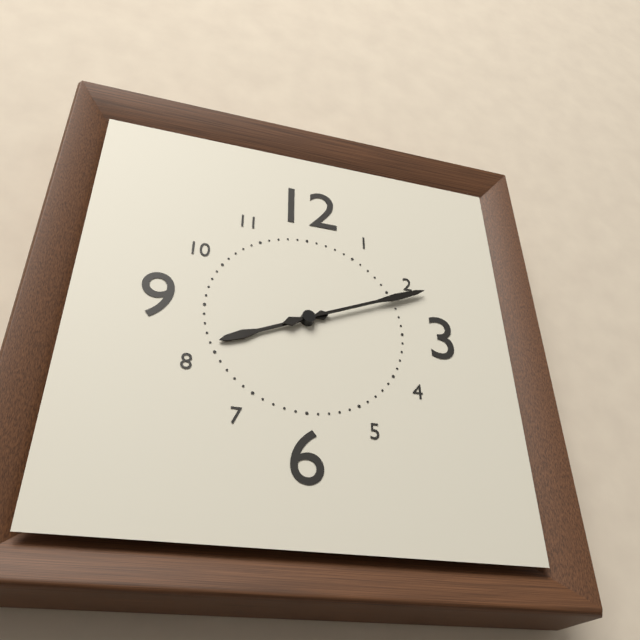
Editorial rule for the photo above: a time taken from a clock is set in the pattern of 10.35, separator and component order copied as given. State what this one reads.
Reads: 8.11
